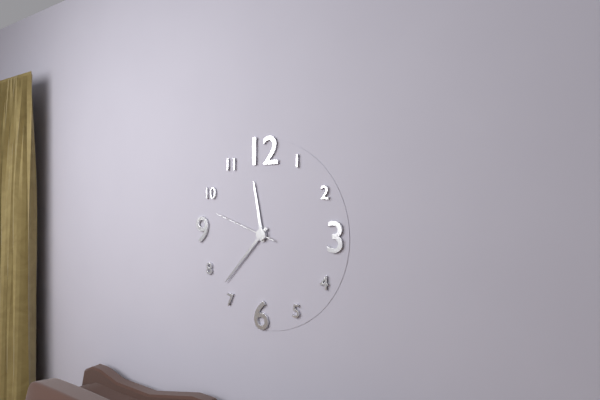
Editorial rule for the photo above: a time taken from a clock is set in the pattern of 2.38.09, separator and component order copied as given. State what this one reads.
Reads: 11.37.48
